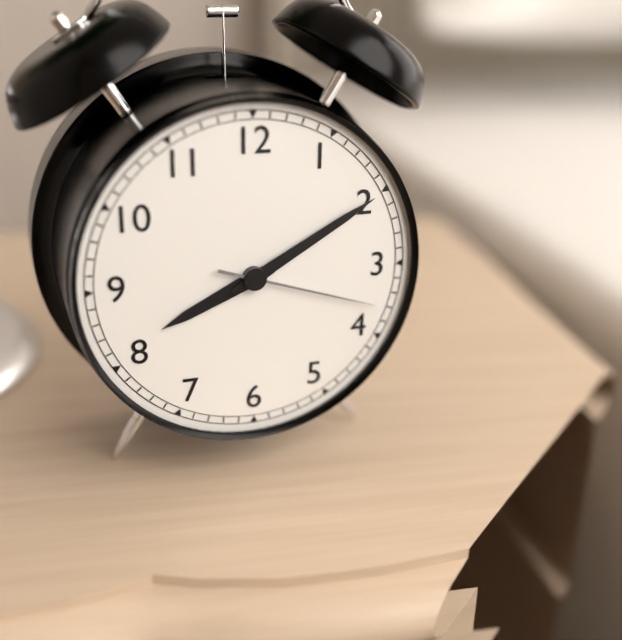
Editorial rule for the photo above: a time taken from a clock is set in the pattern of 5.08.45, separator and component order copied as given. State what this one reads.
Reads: 8.10.18
